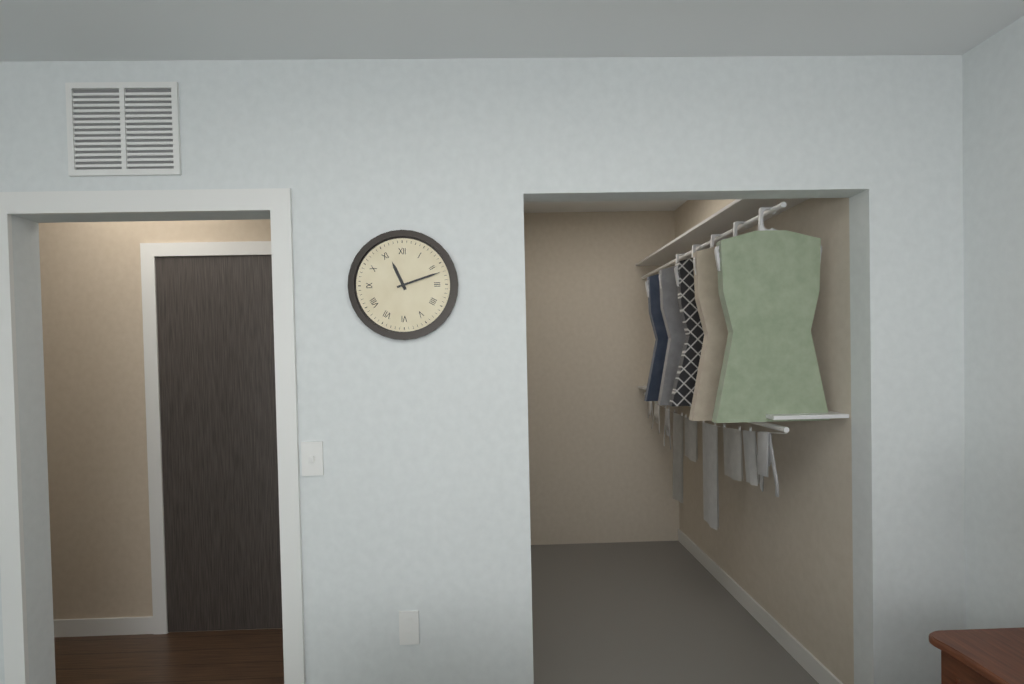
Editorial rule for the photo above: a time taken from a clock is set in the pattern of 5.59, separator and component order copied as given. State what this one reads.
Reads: 11.12
